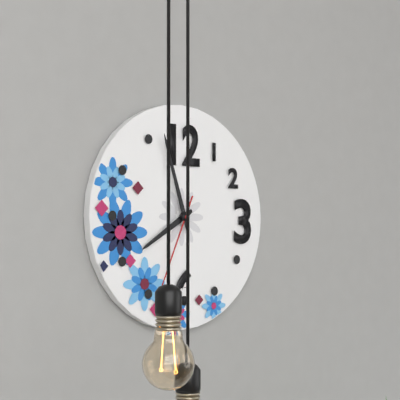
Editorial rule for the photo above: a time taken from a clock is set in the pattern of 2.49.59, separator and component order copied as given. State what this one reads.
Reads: 7.57.34
